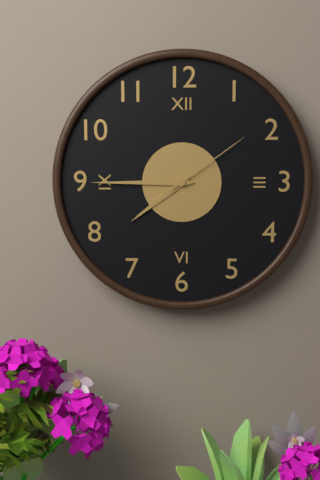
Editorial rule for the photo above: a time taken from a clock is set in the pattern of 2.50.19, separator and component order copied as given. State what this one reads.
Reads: 7.45.09
